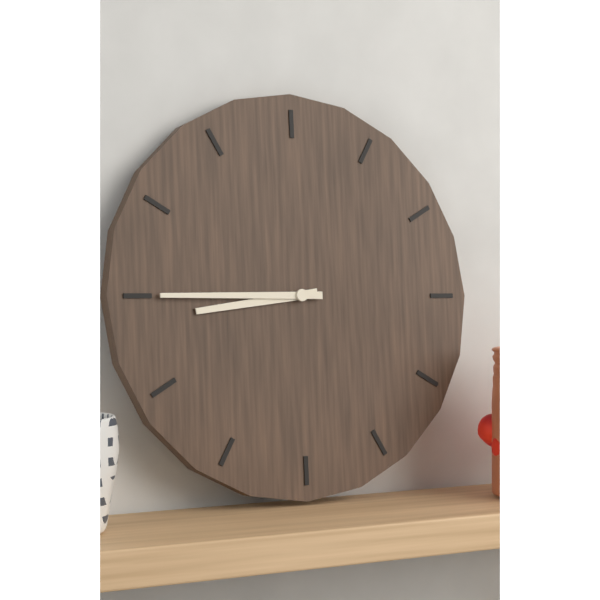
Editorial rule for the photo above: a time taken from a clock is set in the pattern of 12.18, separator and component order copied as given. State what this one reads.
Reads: 8.45
